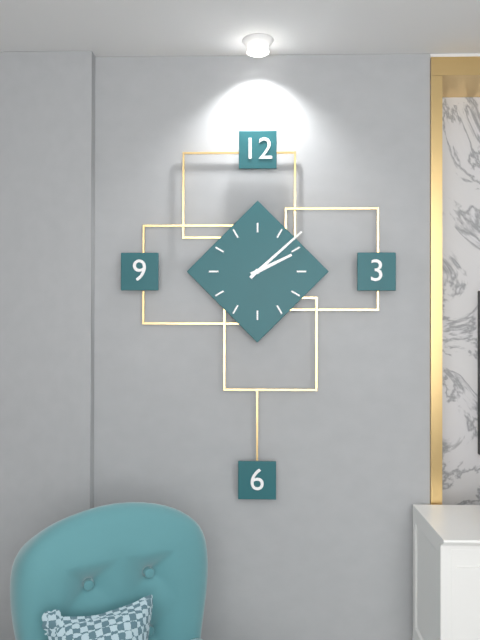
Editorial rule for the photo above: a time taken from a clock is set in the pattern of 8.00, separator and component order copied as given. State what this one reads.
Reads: 2.08
